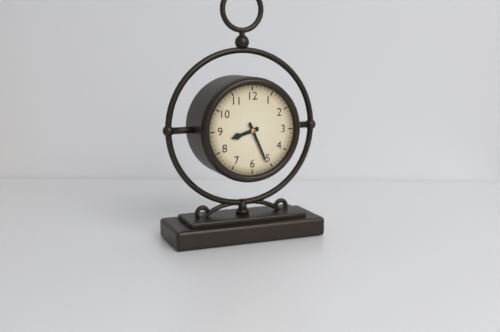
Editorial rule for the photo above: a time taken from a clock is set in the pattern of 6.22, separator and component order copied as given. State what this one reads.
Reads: 8.26
